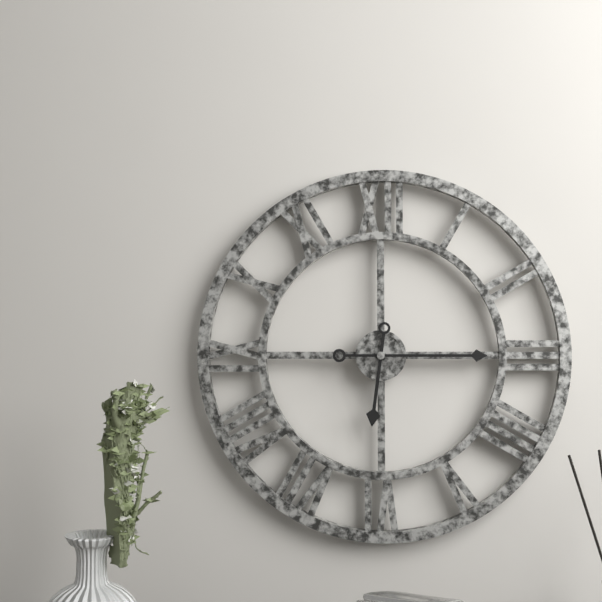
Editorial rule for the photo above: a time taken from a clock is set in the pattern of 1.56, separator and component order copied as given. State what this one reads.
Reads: 6.15
